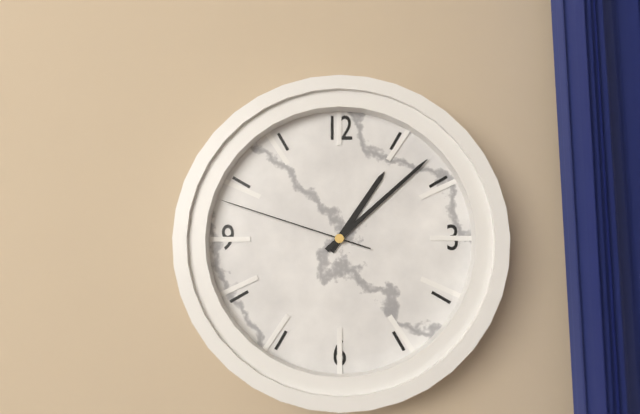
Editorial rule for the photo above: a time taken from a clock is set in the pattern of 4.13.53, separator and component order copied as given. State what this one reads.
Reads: 1.08.48
